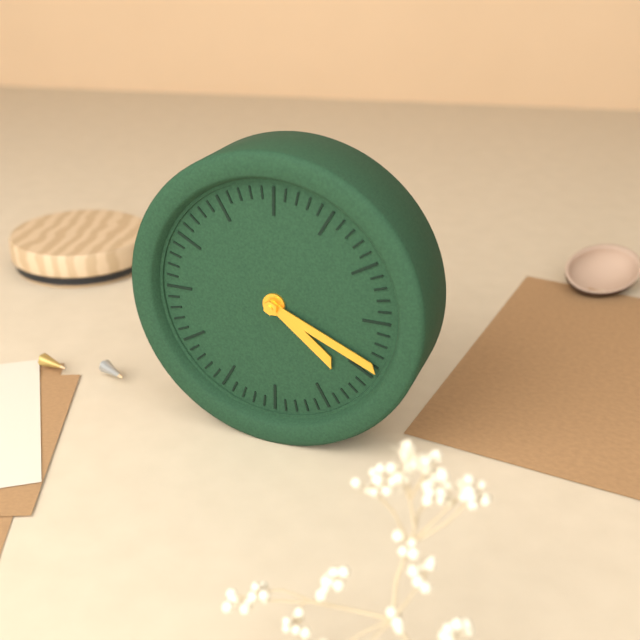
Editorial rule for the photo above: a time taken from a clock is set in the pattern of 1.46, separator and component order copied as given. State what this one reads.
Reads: 4.19
